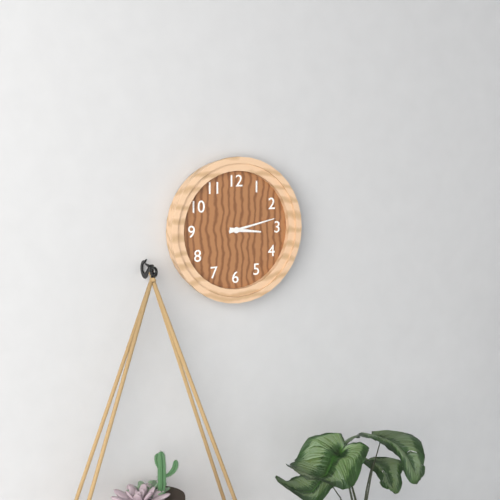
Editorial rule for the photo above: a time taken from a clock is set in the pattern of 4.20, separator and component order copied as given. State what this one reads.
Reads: 3.13
